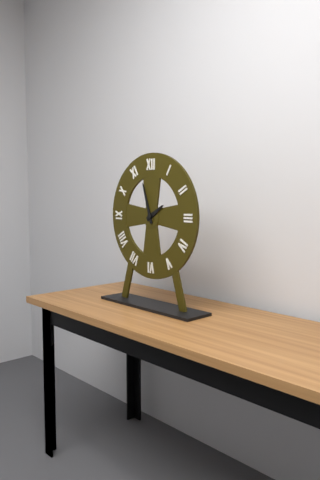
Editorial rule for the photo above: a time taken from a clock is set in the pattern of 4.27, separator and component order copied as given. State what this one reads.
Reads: 1.57
